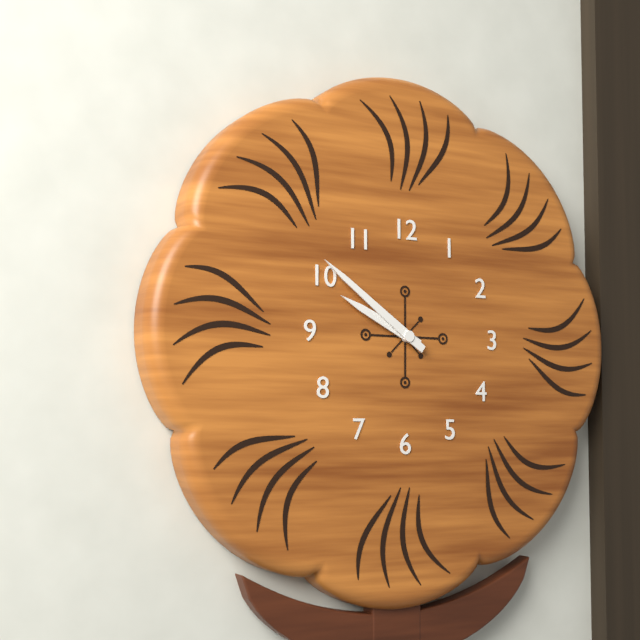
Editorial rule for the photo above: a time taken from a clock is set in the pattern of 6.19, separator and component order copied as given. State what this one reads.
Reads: 9.51
